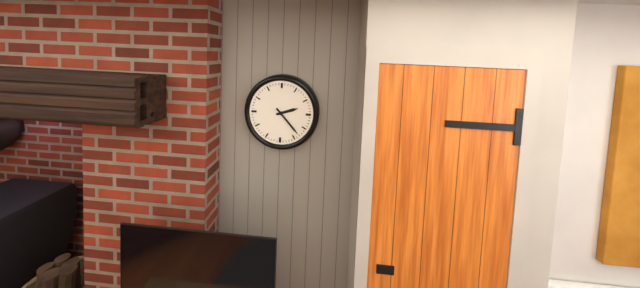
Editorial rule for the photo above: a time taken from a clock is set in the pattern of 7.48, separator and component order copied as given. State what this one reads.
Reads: 2.23
